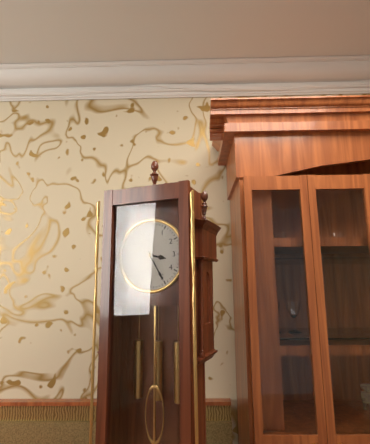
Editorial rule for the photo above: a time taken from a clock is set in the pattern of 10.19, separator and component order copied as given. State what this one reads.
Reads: 3.25
